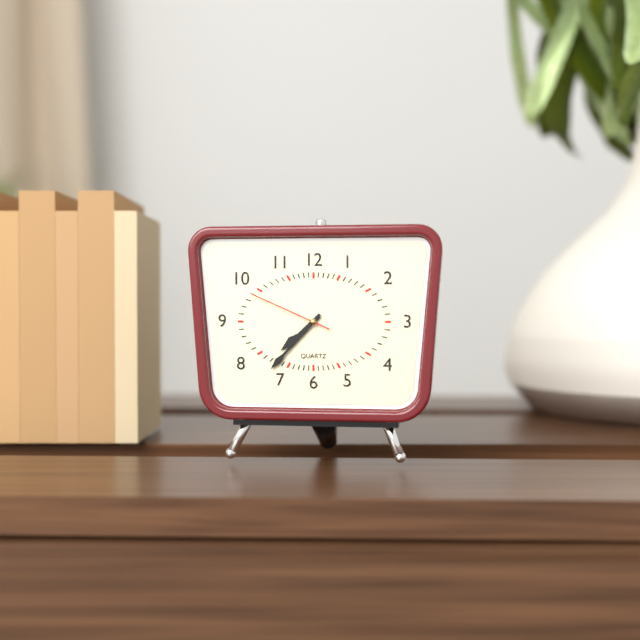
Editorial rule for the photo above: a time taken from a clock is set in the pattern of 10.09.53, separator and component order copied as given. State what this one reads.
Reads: 7.37.49
